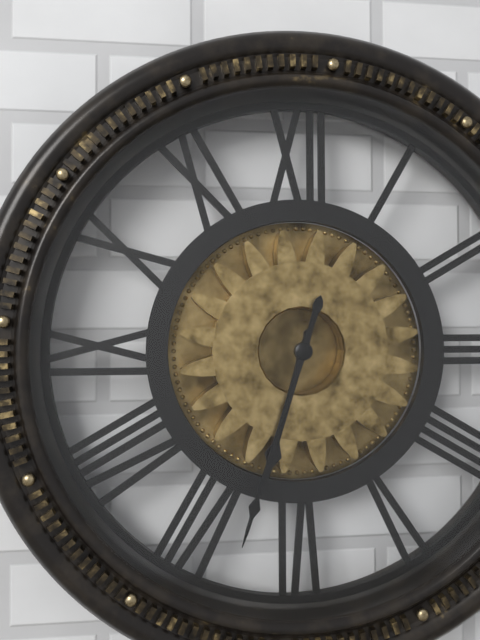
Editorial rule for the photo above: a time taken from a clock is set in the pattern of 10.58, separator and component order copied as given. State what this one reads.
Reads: 6.33
